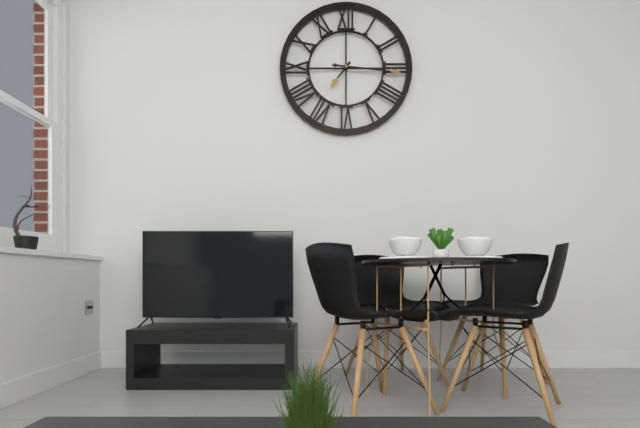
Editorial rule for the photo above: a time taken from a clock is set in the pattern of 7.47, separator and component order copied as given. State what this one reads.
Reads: 7.16
